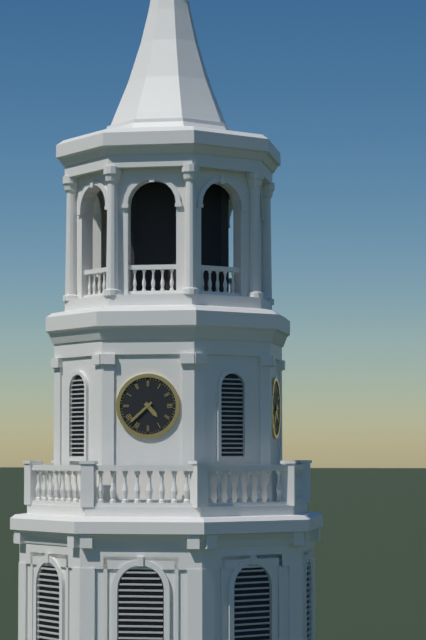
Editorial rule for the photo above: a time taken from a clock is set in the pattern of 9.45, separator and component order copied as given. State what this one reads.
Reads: 4.38
